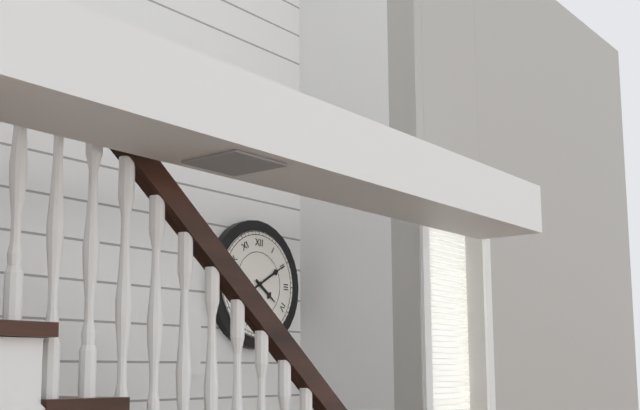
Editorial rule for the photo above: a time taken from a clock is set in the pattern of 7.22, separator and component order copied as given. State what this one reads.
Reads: 4.10
